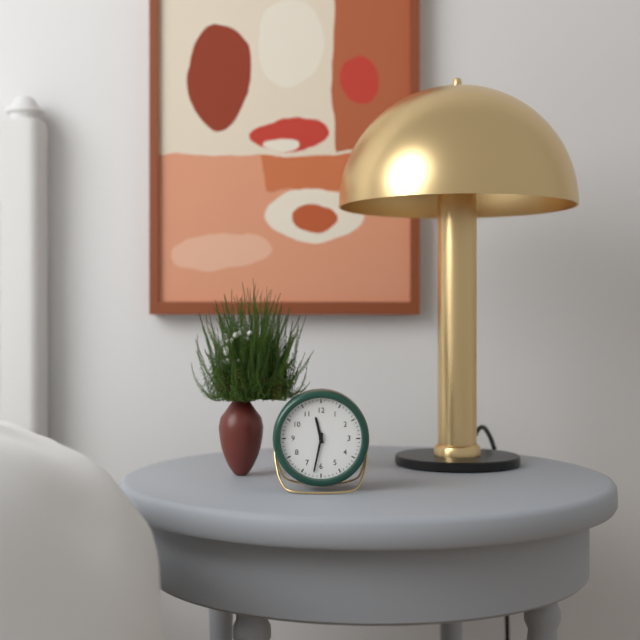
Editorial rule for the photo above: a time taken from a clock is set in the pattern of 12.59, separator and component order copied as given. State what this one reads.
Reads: 11.32
